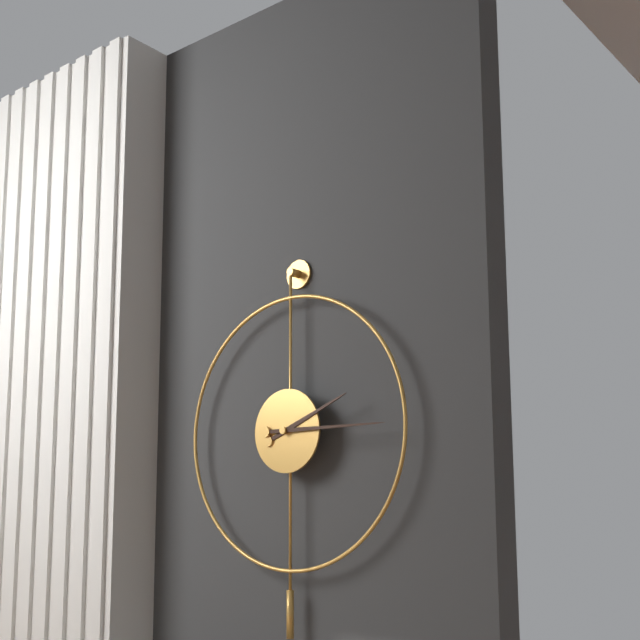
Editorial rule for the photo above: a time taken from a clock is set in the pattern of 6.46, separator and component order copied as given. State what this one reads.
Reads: 2.15
